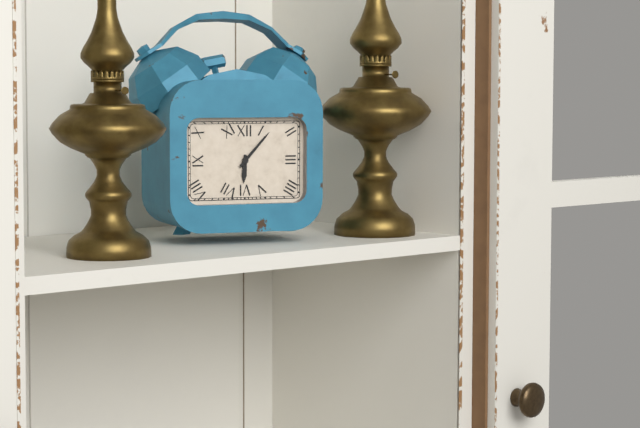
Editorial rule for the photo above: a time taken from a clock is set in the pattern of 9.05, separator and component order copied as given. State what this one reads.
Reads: 6.07
